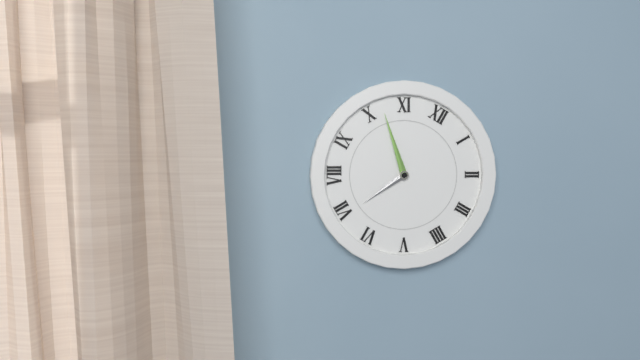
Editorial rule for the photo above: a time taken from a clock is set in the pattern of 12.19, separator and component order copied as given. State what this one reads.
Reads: 6.52
